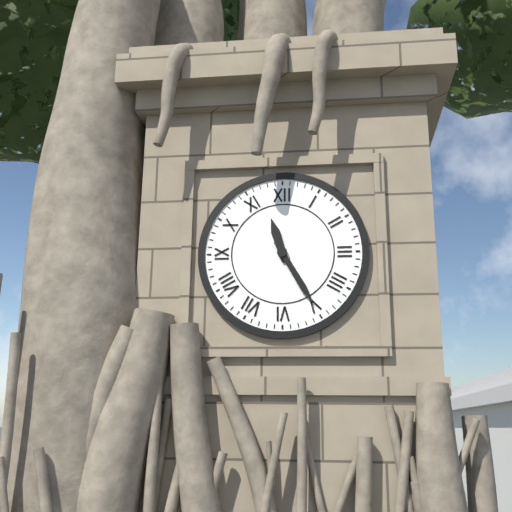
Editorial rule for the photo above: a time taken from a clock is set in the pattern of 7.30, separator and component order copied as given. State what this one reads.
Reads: 11.25
